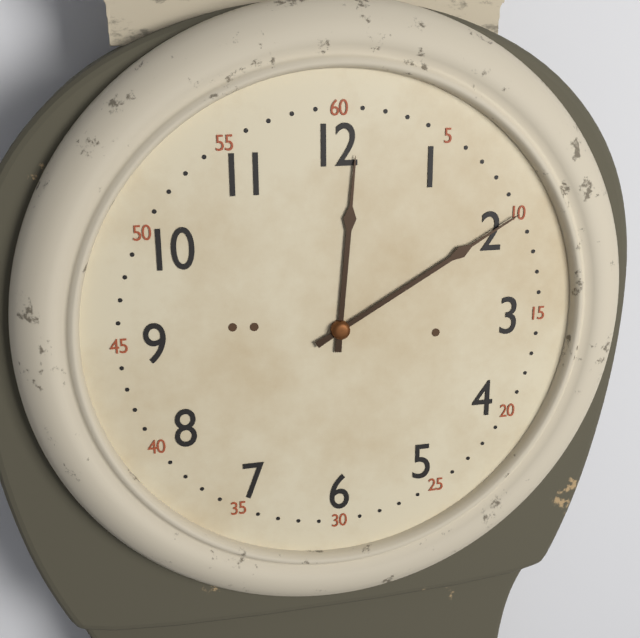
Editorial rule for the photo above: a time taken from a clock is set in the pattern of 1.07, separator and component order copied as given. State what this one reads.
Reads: 12.10
